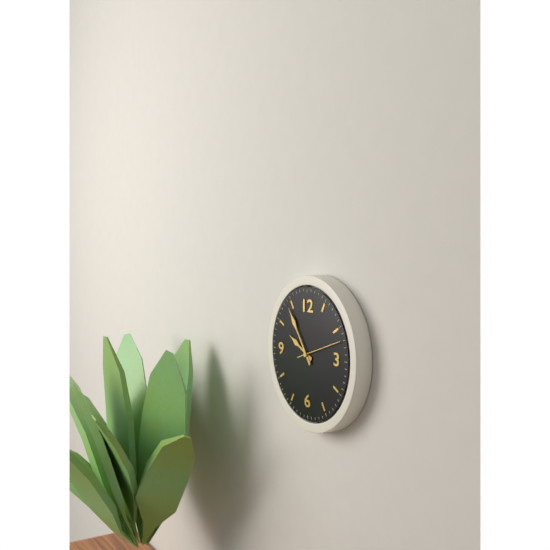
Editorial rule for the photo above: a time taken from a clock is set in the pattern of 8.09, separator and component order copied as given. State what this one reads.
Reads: 9.54
